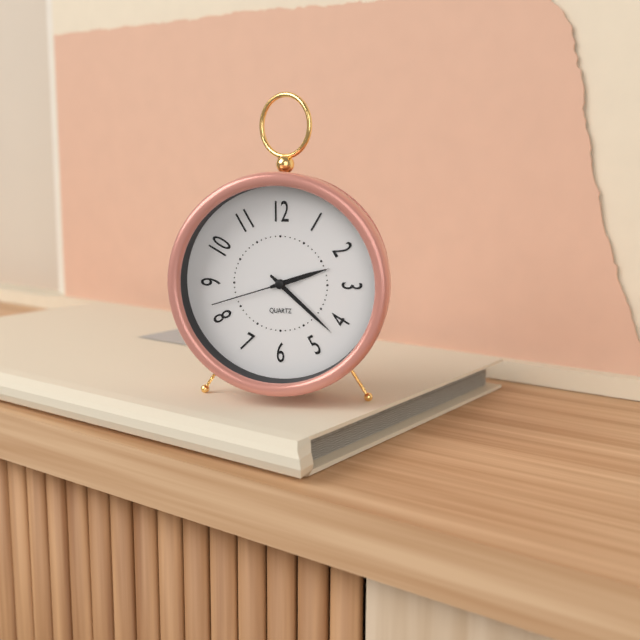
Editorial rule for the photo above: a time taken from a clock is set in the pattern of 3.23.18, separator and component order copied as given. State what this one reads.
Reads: 2.22.42
